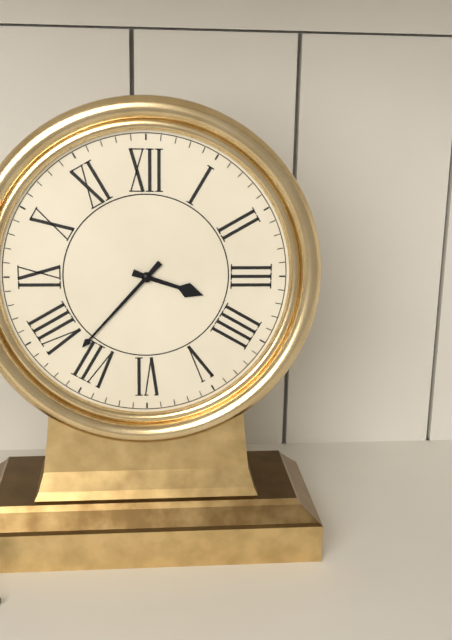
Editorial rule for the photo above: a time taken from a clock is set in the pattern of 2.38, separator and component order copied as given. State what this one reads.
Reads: 3.37
